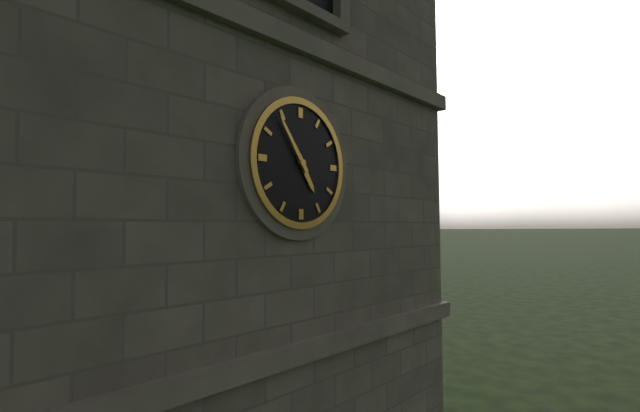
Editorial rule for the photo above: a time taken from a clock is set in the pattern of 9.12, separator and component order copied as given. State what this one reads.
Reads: 4.54
